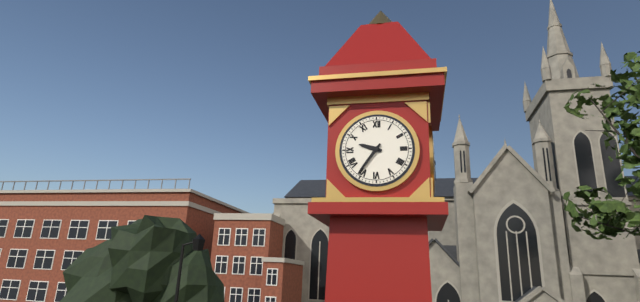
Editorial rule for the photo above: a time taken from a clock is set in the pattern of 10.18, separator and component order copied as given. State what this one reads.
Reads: 9.36
